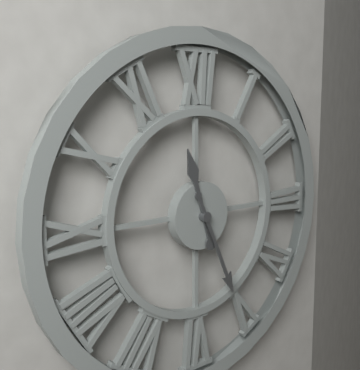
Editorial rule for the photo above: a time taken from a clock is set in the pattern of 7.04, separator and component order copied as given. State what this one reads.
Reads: 11.26
